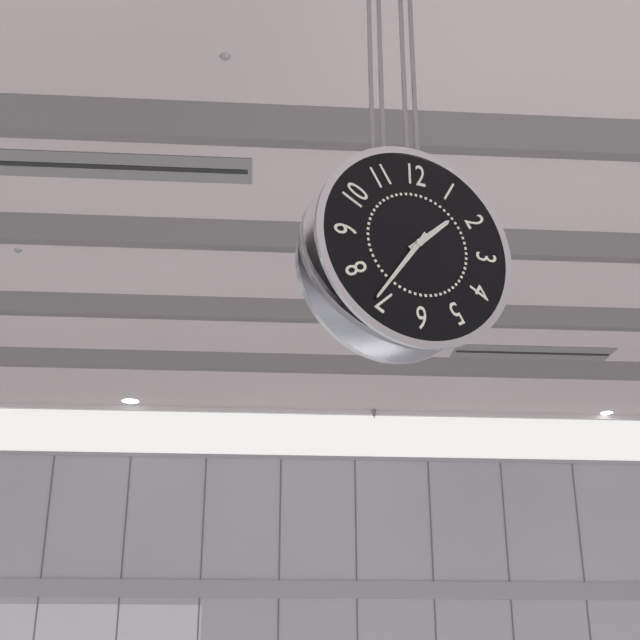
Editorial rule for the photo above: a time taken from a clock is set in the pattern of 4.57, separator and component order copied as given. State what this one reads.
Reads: 1.36
